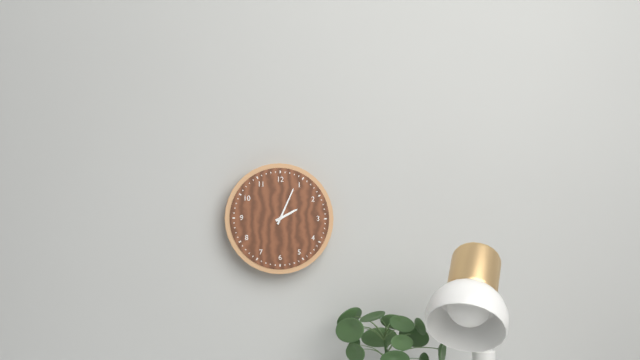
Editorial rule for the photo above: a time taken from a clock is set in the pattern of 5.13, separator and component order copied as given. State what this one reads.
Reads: 2.04
